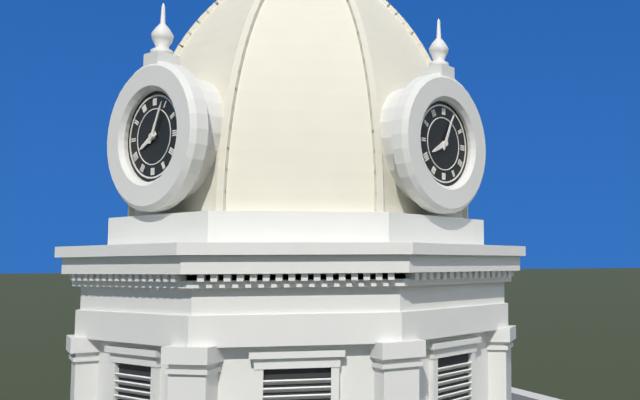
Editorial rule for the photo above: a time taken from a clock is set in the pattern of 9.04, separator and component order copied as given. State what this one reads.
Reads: 8.04
